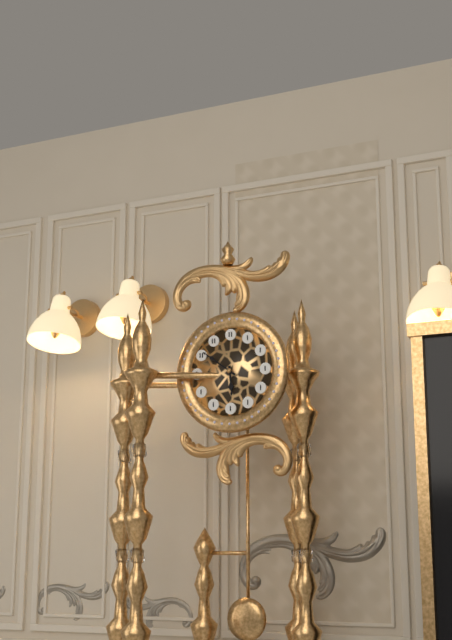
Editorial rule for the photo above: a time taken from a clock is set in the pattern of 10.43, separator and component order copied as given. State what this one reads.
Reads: 5.51
